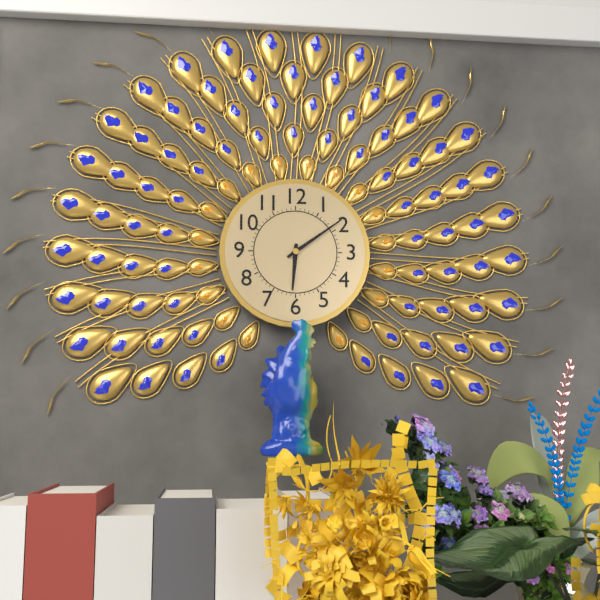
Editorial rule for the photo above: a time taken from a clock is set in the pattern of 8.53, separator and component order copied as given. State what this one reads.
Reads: 6.09
